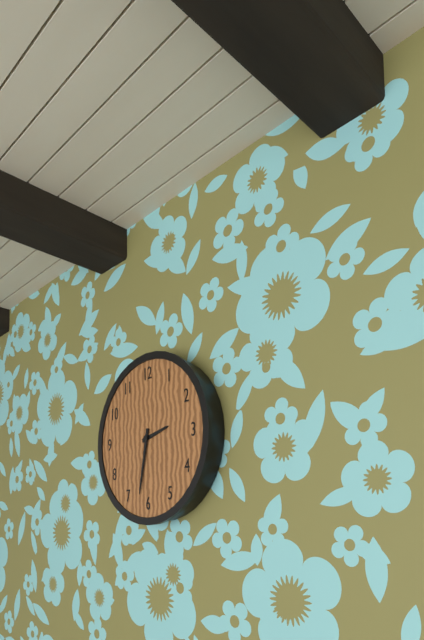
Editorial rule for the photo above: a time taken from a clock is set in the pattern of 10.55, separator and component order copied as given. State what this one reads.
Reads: 2.32
